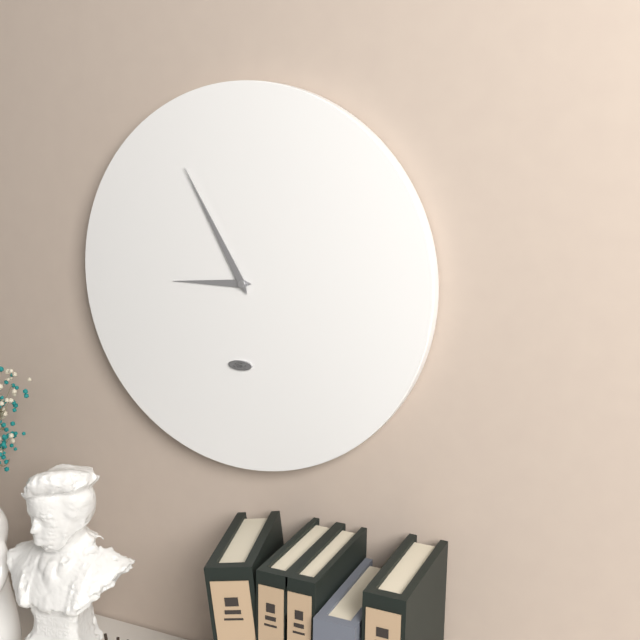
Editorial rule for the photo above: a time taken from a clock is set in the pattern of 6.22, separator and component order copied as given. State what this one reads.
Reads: 8.55
